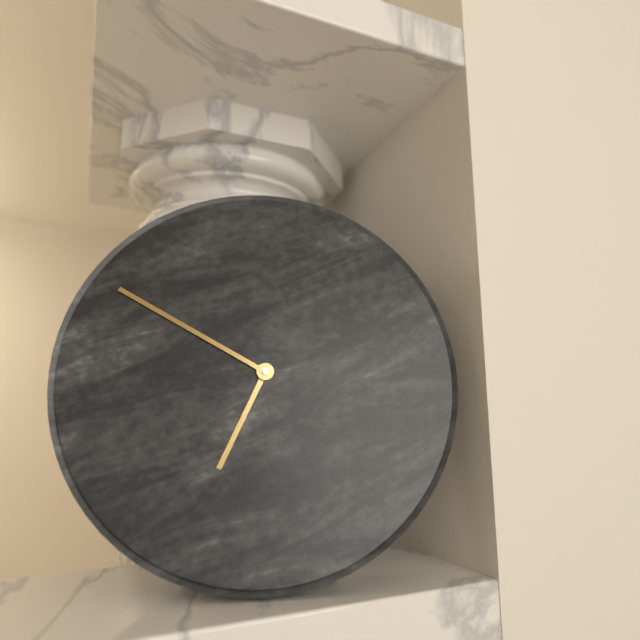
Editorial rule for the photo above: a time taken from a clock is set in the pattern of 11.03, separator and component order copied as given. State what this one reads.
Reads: 6.50
